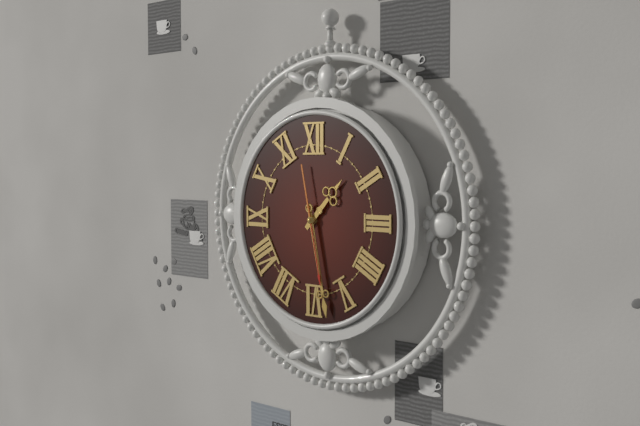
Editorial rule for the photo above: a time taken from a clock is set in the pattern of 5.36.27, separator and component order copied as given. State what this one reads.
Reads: 1.28.28
